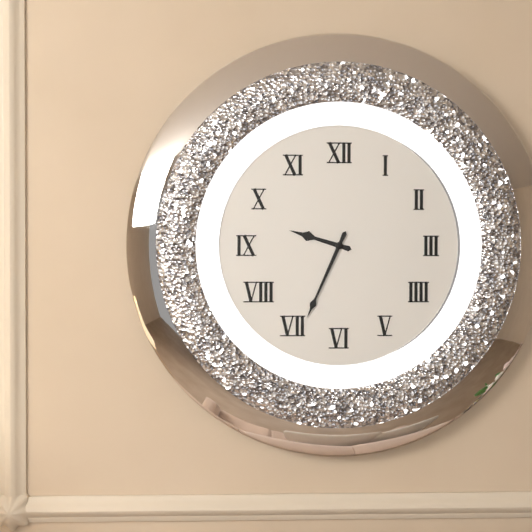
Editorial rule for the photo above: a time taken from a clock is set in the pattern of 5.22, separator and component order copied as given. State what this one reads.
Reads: 9.34
